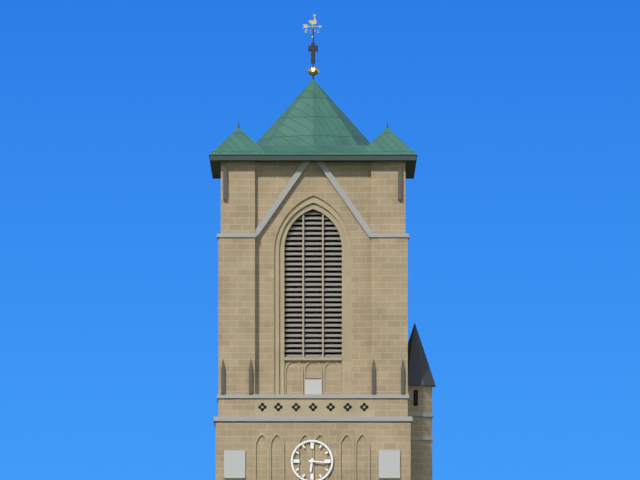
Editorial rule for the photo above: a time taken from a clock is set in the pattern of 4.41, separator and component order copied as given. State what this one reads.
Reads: 6.16
